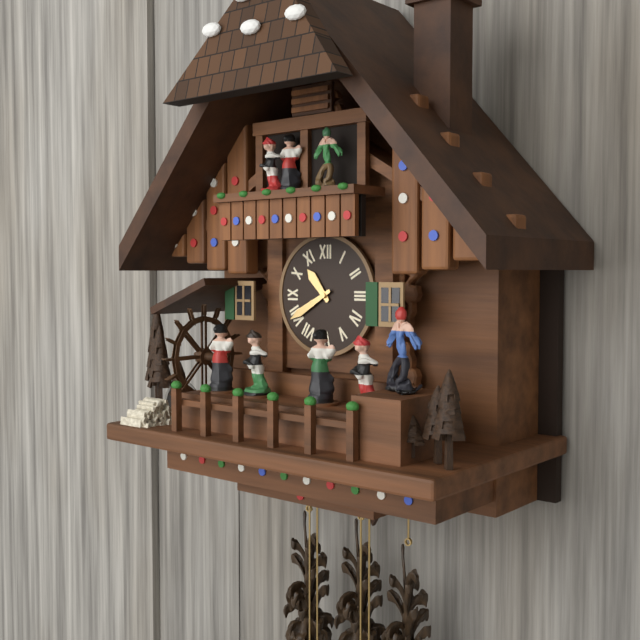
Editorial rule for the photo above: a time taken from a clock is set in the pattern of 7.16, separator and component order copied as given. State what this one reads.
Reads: 10.40
